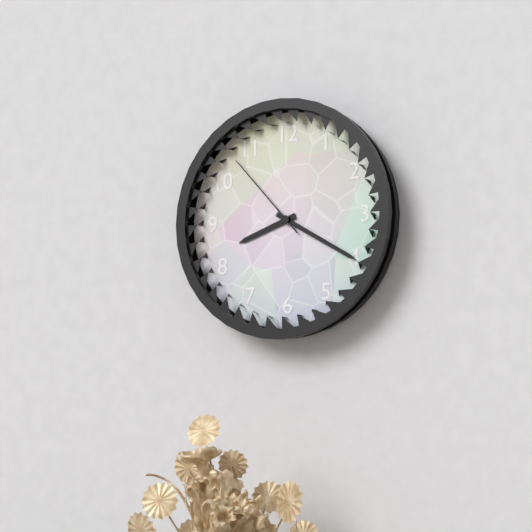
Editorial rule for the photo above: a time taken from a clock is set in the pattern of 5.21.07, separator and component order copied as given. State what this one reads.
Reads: 8.20.53
